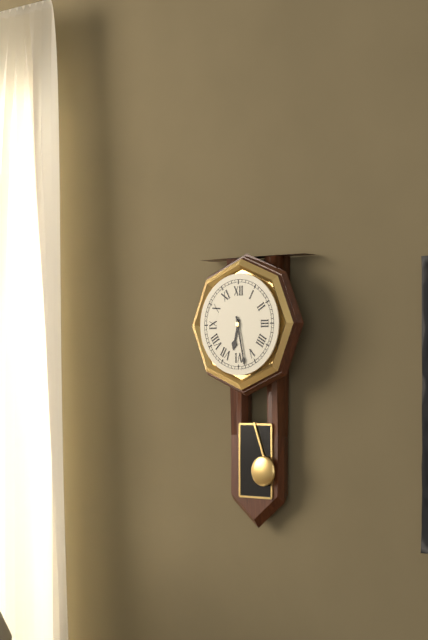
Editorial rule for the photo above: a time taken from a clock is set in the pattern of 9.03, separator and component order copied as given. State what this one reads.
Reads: 6.28
